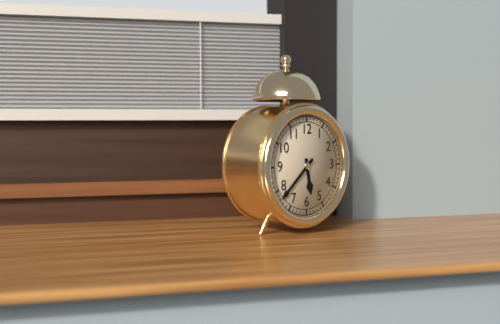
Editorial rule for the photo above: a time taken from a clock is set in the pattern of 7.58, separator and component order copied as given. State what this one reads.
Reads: 5.38
